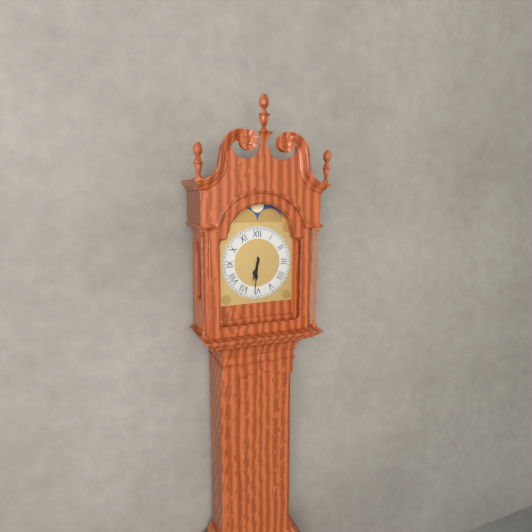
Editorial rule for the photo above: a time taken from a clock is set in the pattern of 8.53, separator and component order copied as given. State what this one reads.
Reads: 6.31
